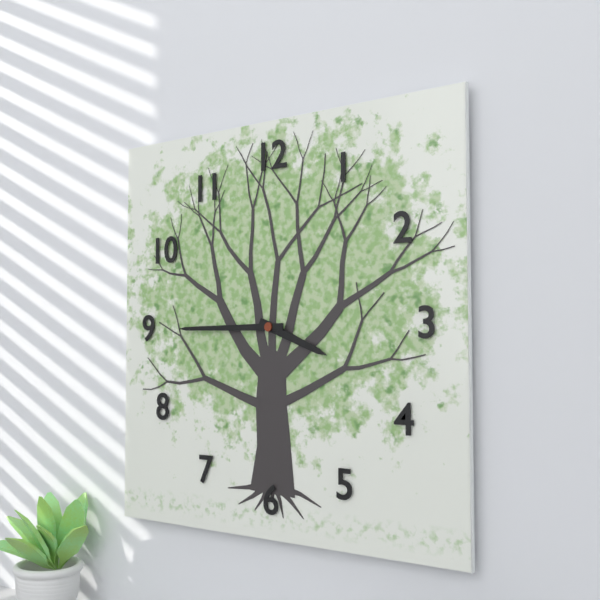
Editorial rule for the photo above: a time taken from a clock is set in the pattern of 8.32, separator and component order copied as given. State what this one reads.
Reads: 3.45
